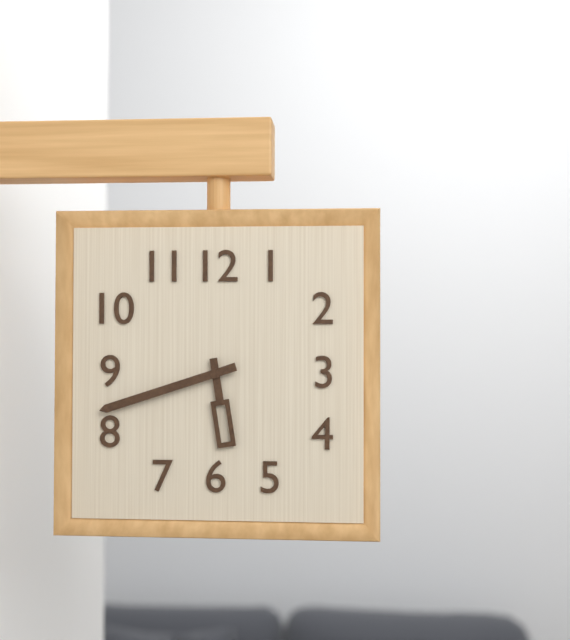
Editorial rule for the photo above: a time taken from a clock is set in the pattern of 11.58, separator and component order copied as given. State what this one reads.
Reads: 5.42
